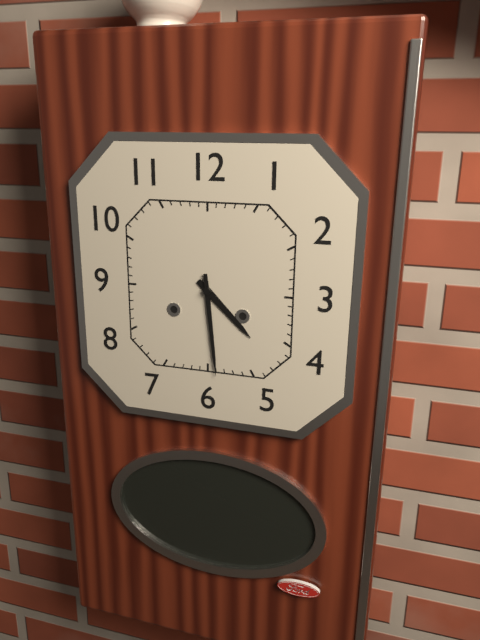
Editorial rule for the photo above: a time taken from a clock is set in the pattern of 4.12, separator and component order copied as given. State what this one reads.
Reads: 4.29
